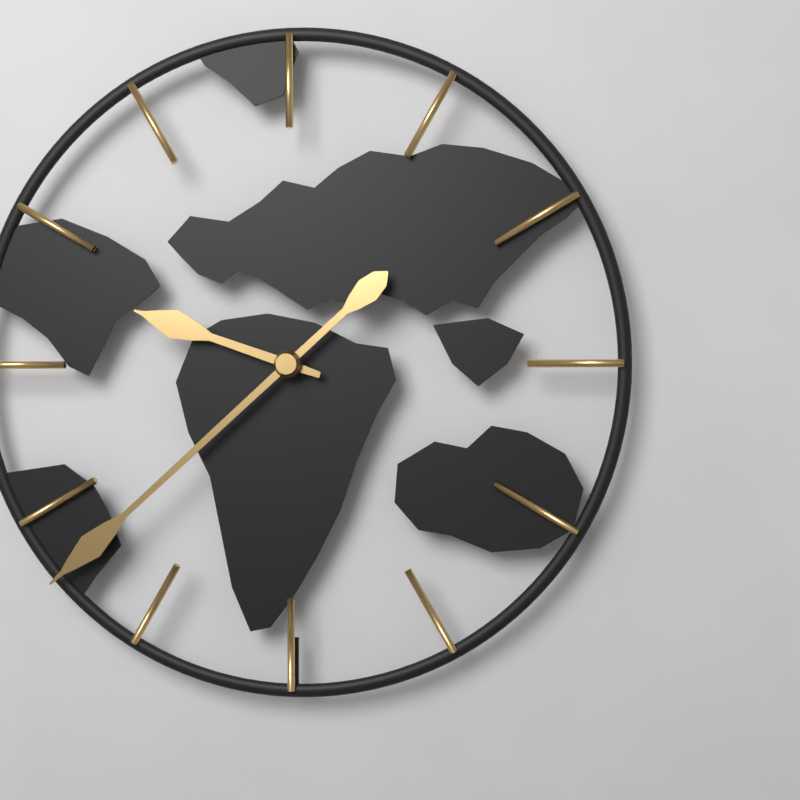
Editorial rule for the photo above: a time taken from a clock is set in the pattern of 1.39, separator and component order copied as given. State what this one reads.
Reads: 9.38
